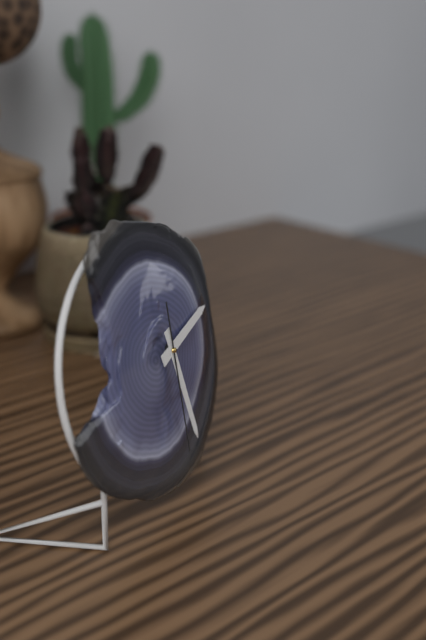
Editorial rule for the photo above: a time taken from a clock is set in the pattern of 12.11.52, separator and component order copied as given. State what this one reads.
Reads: 2.28.30
